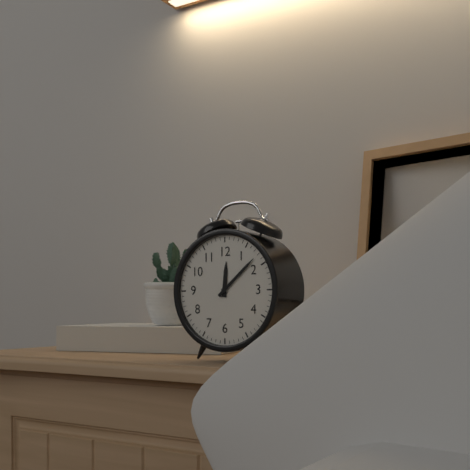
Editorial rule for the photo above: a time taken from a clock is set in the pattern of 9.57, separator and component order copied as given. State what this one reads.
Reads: 12.08
